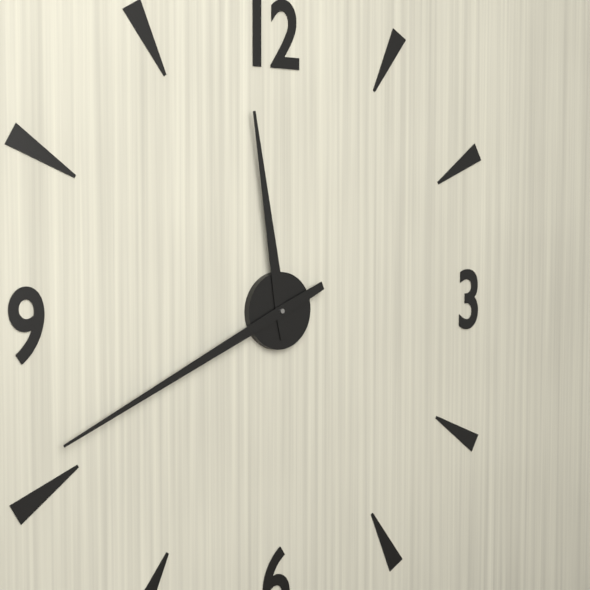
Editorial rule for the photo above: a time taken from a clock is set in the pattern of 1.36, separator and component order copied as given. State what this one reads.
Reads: 11.41
